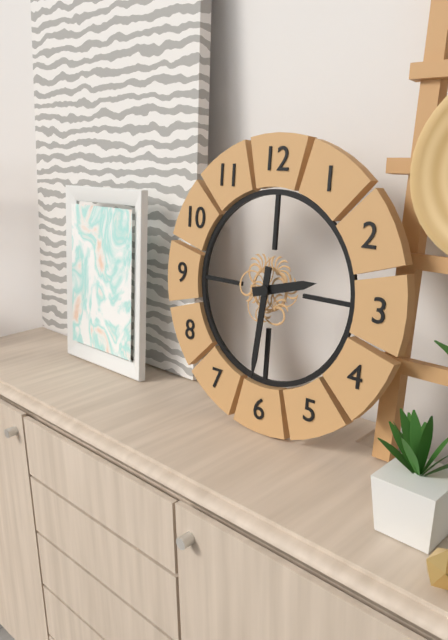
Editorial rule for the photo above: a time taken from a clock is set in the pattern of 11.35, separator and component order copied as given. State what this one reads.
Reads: 2.31
